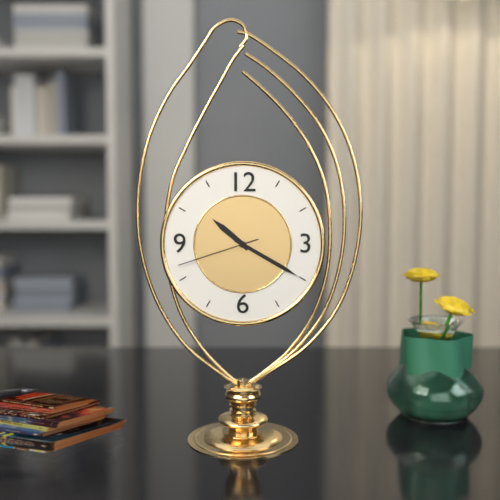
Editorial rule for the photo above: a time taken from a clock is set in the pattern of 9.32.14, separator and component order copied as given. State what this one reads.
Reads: 10.20.42
